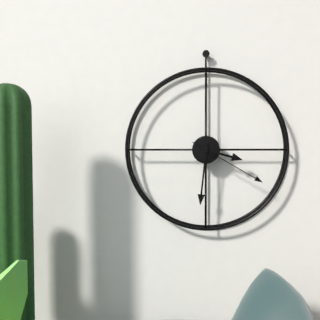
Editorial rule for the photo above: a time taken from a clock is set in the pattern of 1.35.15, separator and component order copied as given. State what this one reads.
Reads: 3.31.20
